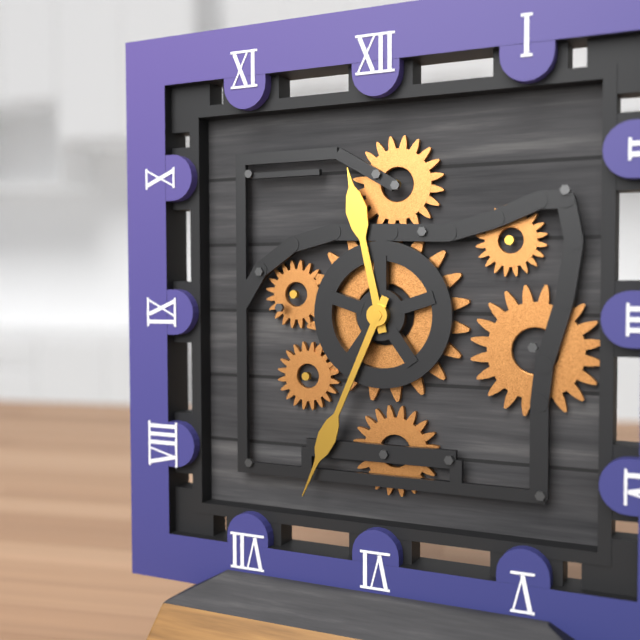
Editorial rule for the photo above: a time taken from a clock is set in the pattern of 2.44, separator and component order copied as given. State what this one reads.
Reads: 11.34
